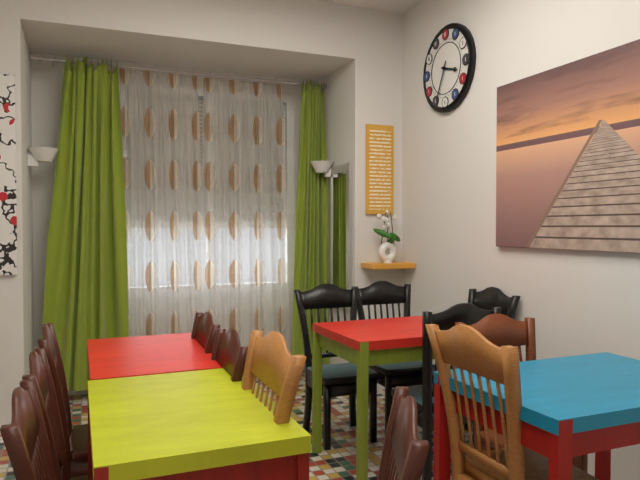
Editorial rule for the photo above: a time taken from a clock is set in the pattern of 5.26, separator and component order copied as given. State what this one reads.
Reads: 3.34
